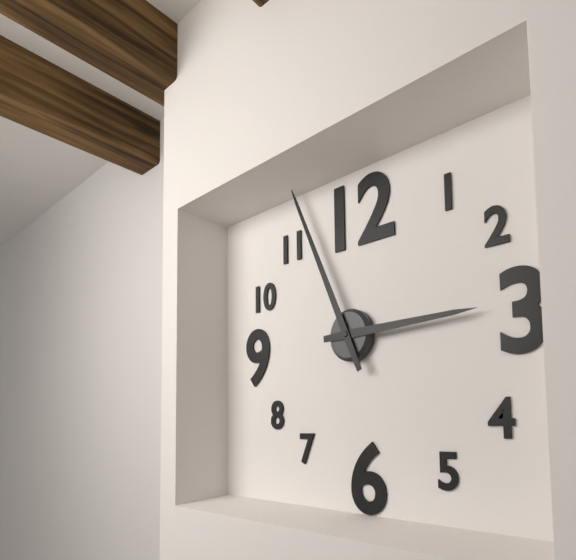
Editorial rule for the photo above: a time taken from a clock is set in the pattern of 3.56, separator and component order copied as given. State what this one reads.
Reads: 2.56
